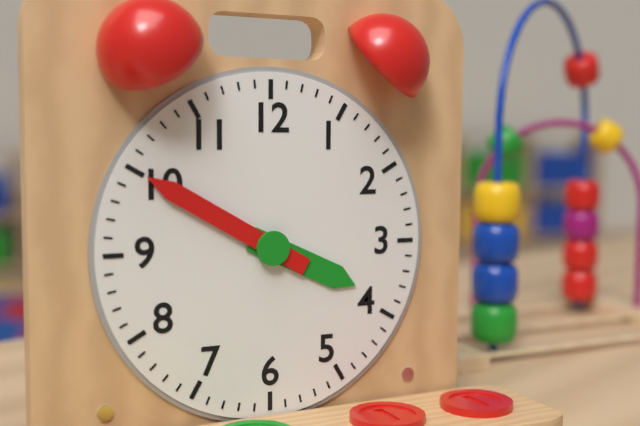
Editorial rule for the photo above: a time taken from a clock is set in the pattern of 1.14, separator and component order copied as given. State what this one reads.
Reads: 3.50
